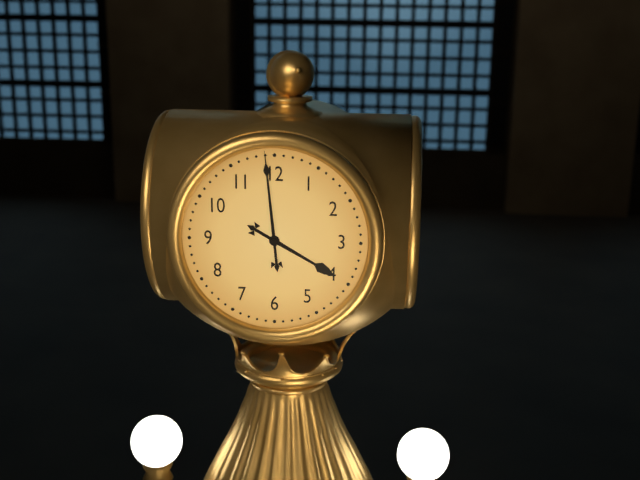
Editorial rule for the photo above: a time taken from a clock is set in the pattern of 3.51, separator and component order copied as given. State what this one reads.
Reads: 3.59
